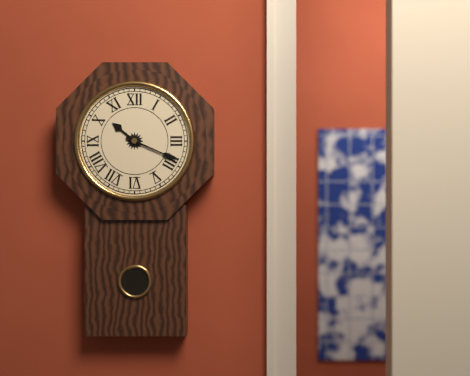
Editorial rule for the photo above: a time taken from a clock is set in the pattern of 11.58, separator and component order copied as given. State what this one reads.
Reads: 10.19
